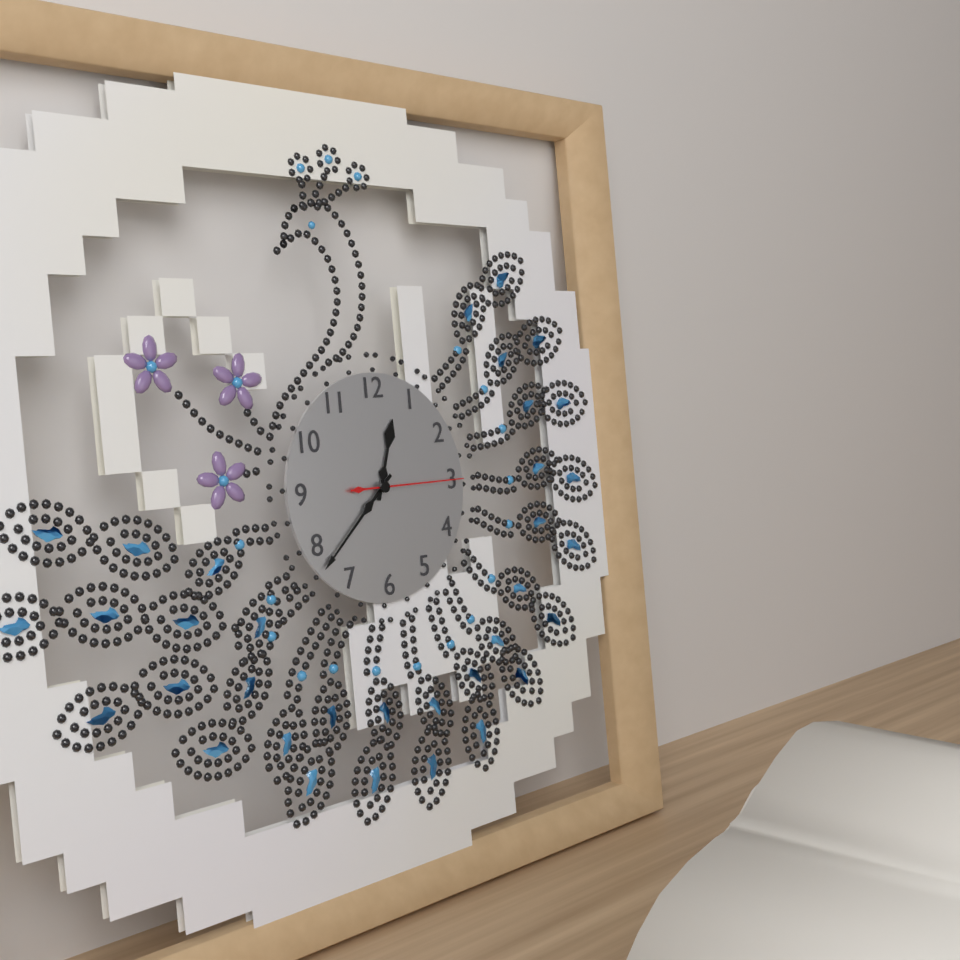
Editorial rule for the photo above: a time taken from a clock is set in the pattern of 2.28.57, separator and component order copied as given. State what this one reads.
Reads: 12.38.15
